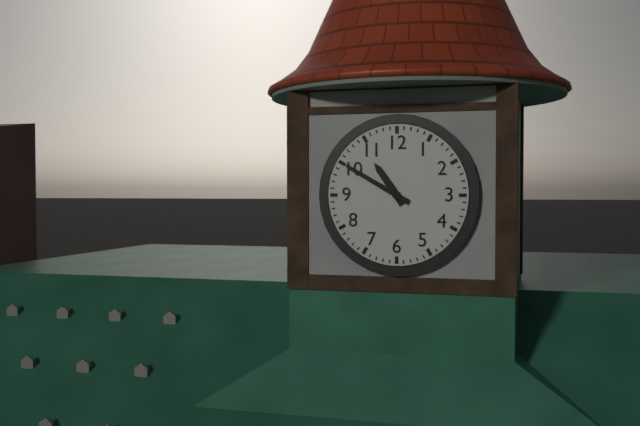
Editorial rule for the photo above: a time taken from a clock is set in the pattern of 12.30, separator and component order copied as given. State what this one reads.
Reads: 10.50
